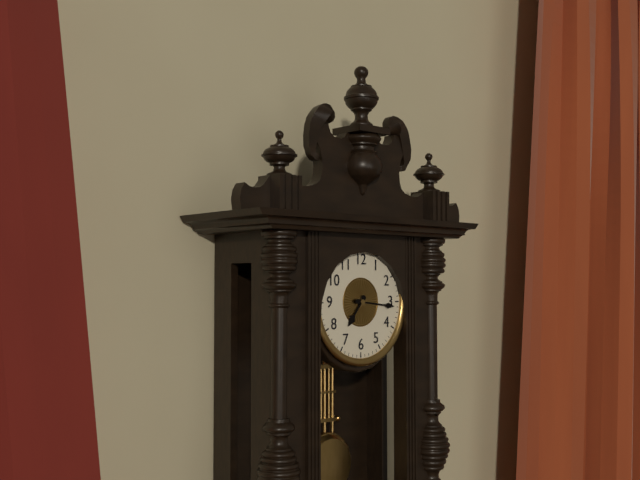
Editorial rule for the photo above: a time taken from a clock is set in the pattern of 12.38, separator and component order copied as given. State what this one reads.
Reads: 7.16
